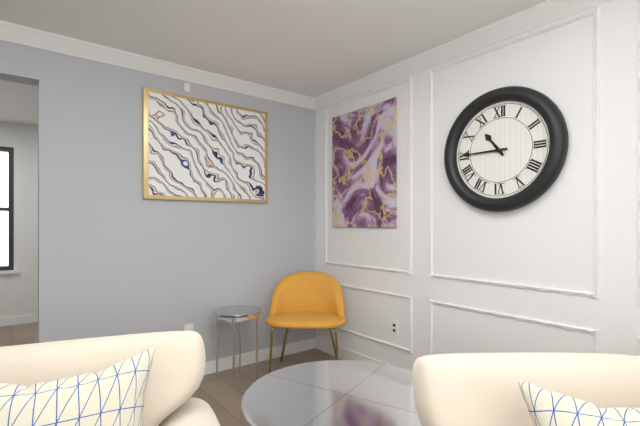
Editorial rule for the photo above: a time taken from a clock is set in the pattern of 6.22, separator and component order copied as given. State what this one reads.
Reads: 10.45
